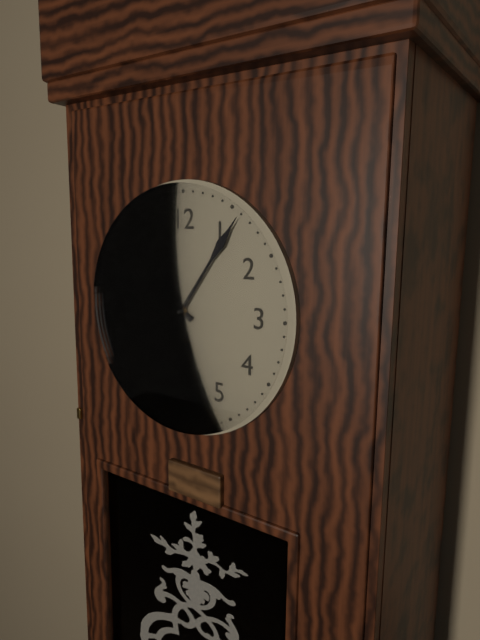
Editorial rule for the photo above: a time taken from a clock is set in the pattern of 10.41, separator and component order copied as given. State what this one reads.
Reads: 10.06
